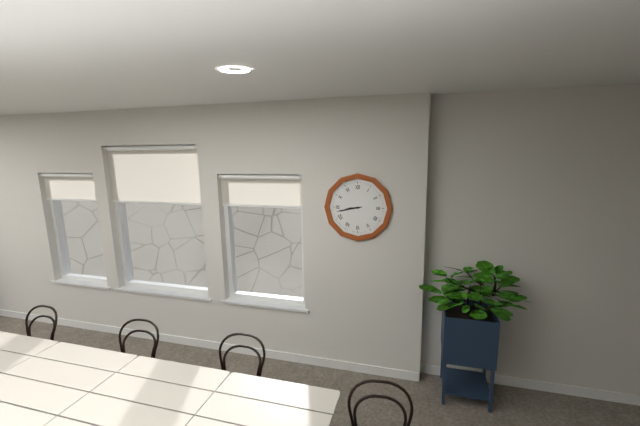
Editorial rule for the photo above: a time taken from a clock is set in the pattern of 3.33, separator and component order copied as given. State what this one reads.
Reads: 8.43
